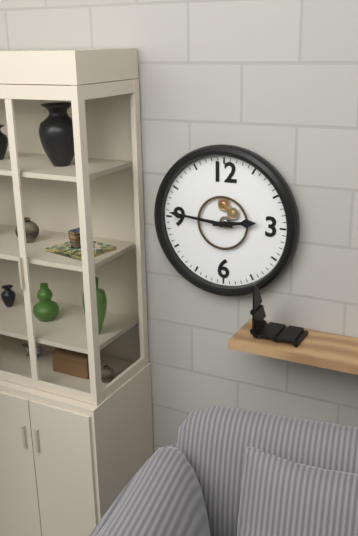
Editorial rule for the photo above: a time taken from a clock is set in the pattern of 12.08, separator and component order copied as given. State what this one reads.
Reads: 2.46
